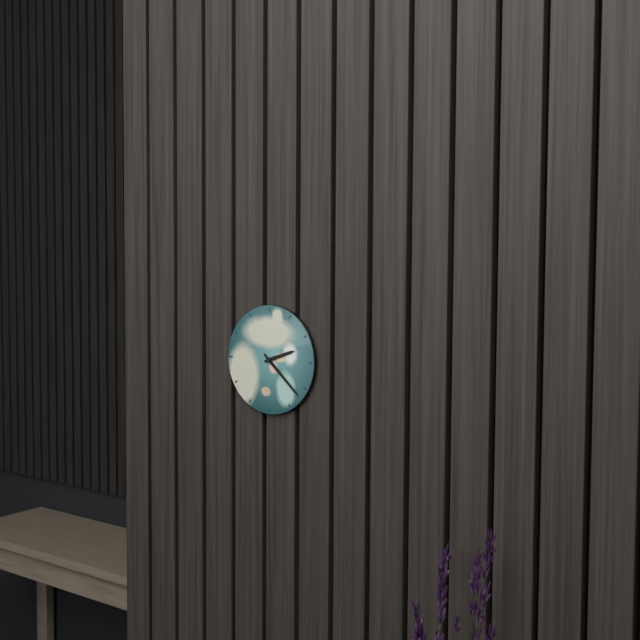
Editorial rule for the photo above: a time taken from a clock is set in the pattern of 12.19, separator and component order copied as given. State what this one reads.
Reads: 2.22
